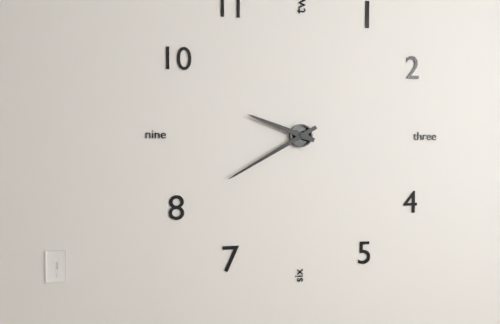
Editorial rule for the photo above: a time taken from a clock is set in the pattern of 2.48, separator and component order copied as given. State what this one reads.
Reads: 9.40
